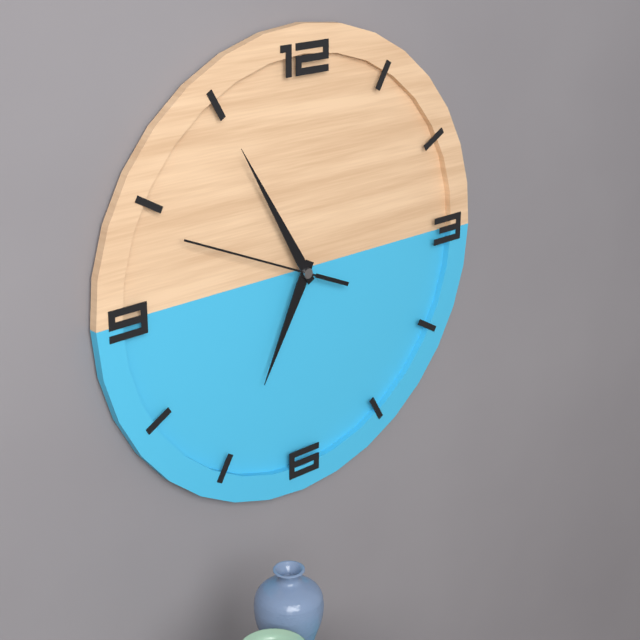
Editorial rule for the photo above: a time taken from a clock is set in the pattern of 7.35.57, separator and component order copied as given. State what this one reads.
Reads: 6.55.49
